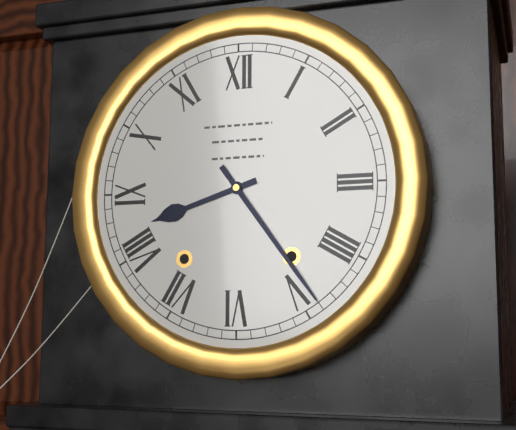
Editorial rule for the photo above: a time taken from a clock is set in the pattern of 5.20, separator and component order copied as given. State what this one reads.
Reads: 8.24
